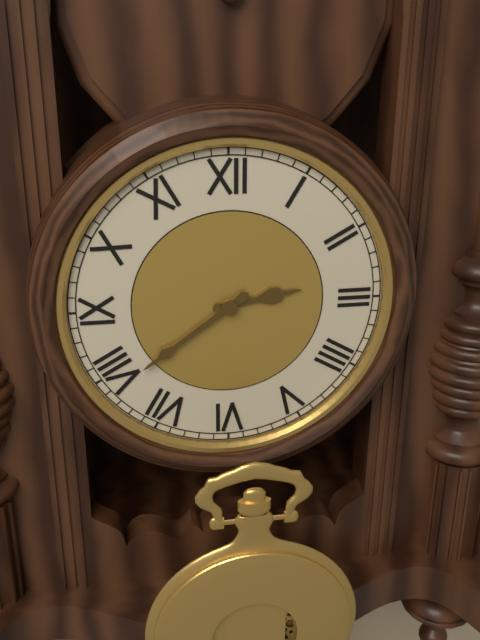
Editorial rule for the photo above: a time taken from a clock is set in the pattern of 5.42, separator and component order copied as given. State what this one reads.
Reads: 2.39
